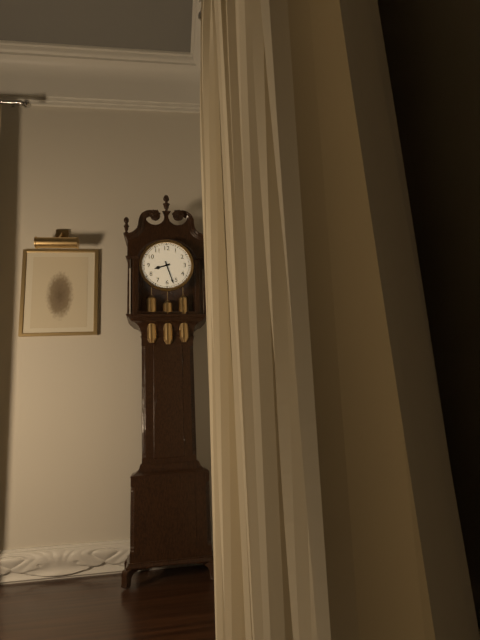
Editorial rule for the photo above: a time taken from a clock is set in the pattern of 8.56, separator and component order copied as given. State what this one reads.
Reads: 8.27
